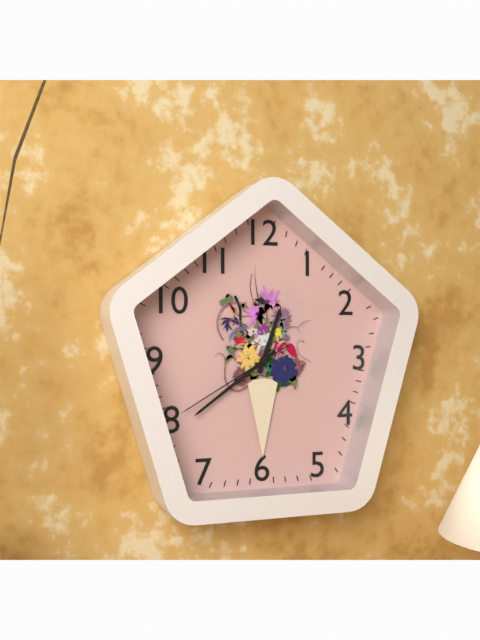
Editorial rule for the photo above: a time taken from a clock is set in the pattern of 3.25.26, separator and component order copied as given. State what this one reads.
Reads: 12.39.40
